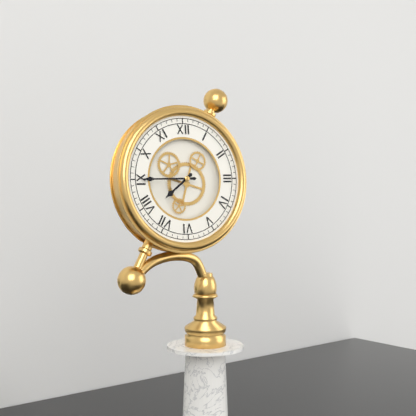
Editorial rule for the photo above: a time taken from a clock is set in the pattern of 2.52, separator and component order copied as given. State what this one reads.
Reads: 7.45
